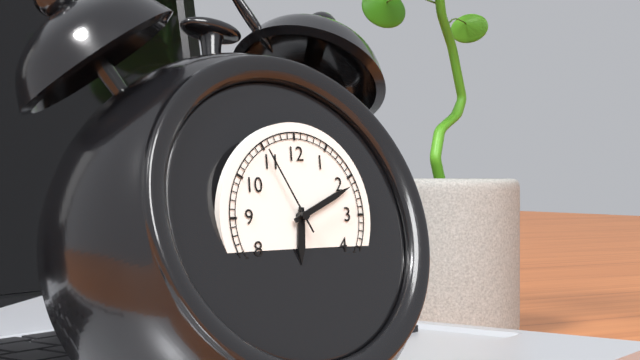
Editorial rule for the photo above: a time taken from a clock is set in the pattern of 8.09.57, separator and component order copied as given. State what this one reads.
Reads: 6.11.55
